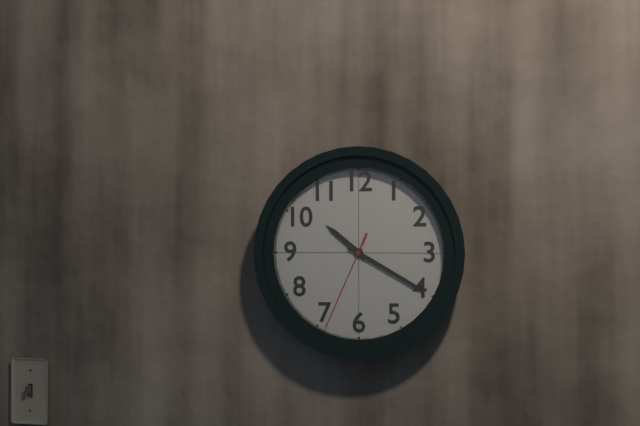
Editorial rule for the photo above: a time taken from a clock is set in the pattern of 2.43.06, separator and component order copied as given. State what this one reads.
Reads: 10.20.34
